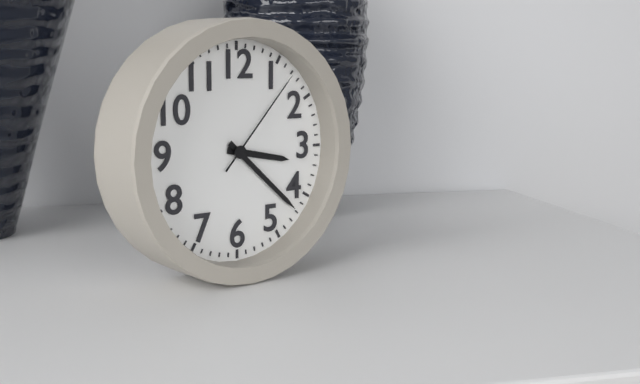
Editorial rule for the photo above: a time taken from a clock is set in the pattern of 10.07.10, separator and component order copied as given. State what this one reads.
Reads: 3.22.07
